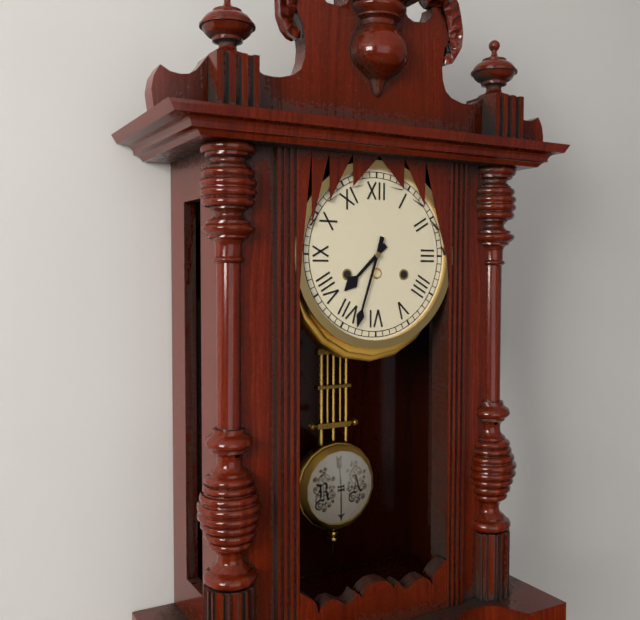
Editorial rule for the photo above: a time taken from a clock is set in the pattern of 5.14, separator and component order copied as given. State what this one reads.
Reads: 7.33
